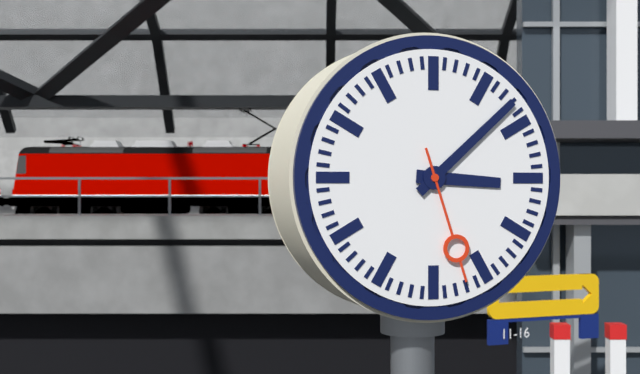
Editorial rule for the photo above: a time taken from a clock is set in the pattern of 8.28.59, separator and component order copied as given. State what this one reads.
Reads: 3.08.27
